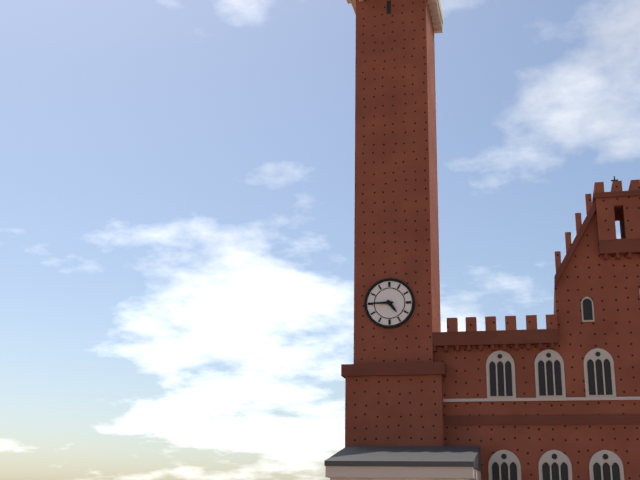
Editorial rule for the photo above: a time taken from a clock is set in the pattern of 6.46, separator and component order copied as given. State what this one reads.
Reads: 4.45
